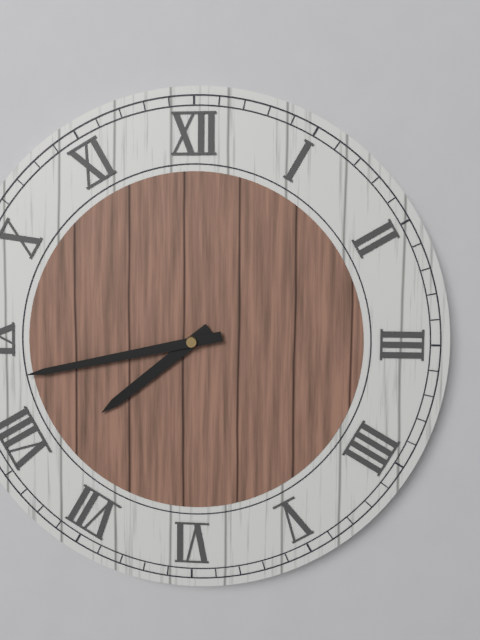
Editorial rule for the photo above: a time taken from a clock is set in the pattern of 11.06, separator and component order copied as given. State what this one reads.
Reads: 7.43
